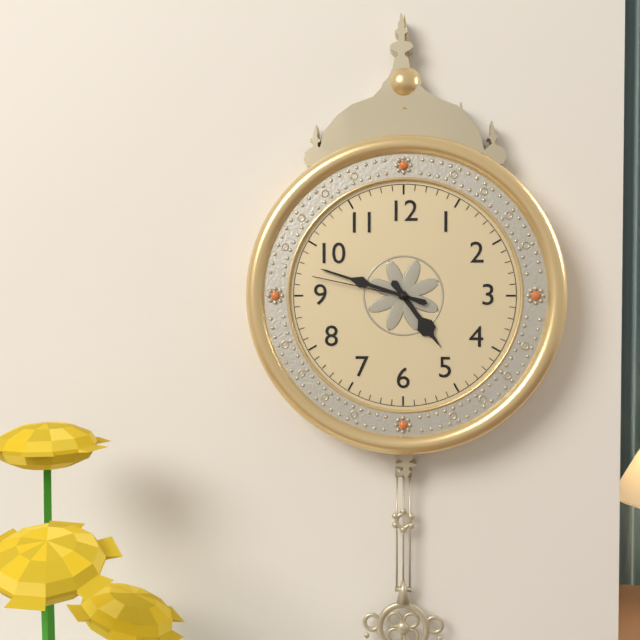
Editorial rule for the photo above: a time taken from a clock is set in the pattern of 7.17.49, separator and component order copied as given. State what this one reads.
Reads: 4.48.47
